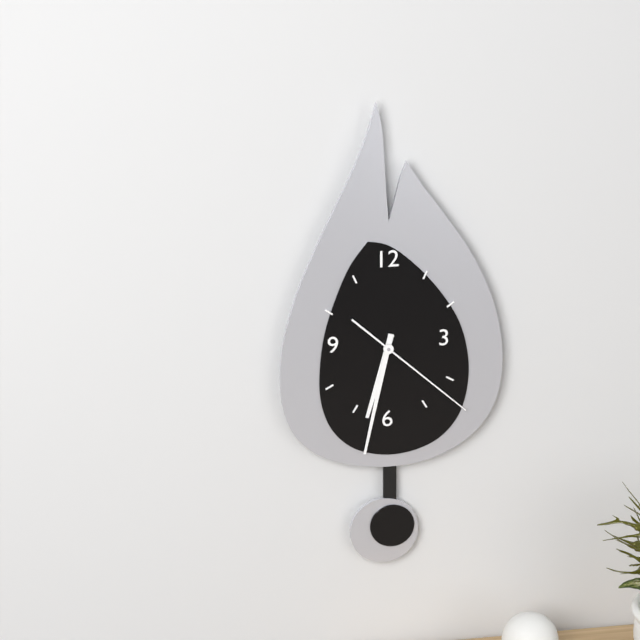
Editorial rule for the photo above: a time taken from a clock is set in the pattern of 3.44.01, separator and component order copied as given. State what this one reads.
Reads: 6.32.22
